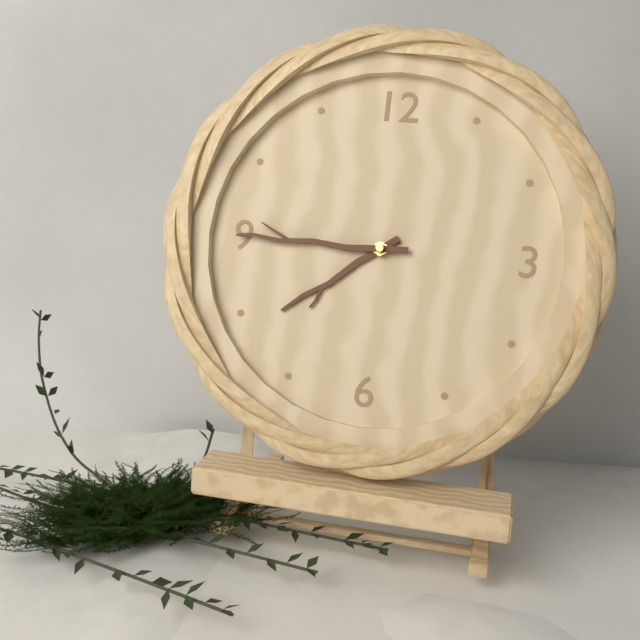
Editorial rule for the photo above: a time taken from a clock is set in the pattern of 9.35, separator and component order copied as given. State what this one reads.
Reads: 7.45
